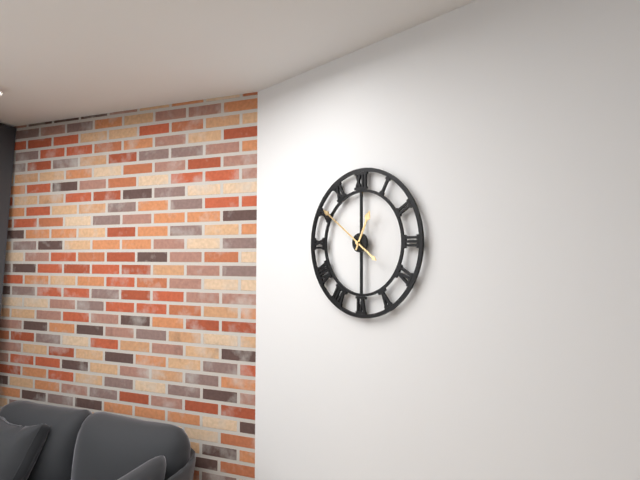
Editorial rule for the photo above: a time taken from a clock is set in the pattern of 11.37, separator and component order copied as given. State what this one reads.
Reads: 12.51
